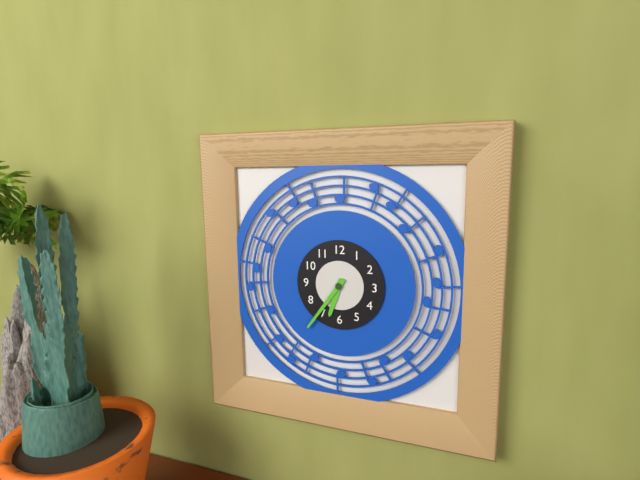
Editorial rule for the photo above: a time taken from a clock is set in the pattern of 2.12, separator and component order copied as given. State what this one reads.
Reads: 6.36
